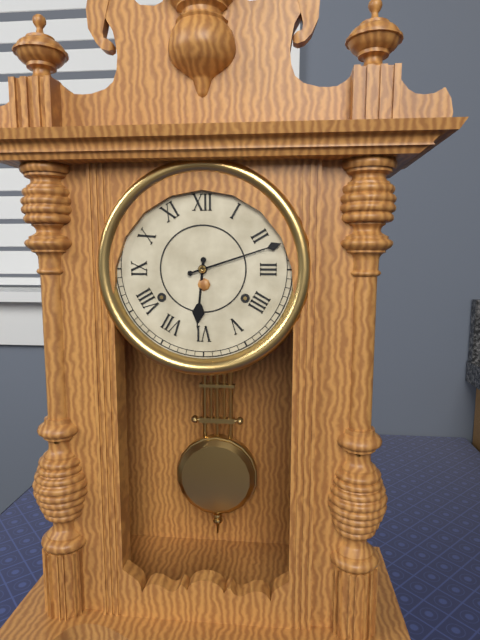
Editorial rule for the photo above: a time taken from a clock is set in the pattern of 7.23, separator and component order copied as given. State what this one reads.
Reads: 6.12
